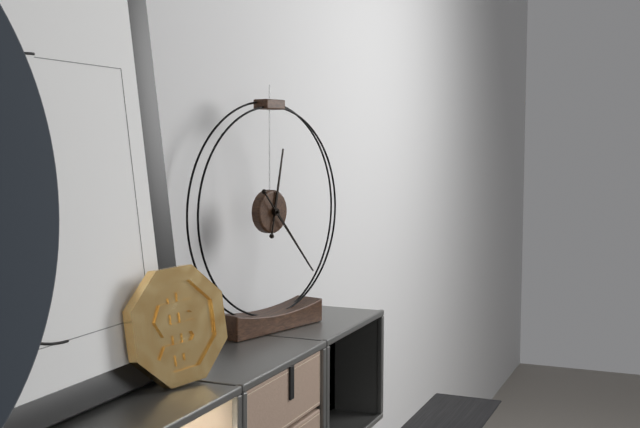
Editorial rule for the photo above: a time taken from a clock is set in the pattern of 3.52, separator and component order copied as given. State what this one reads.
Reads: 12.23
